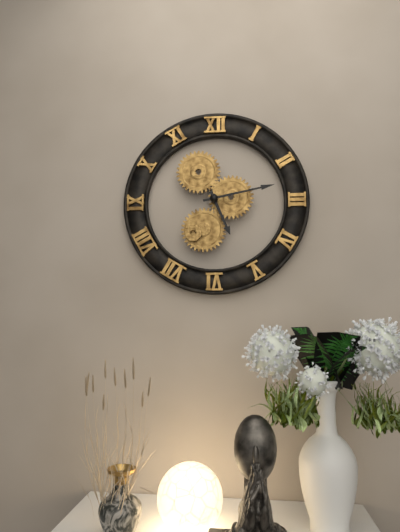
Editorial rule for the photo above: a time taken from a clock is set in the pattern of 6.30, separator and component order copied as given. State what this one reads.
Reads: 5.13
